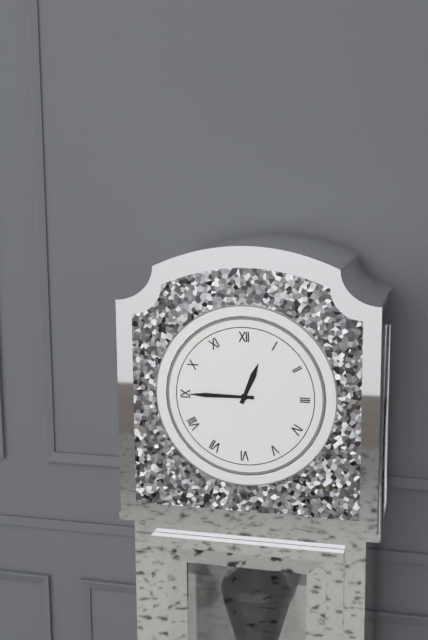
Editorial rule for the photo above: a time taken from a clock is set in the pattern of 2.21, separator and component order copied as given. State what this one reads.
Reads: 12.45
